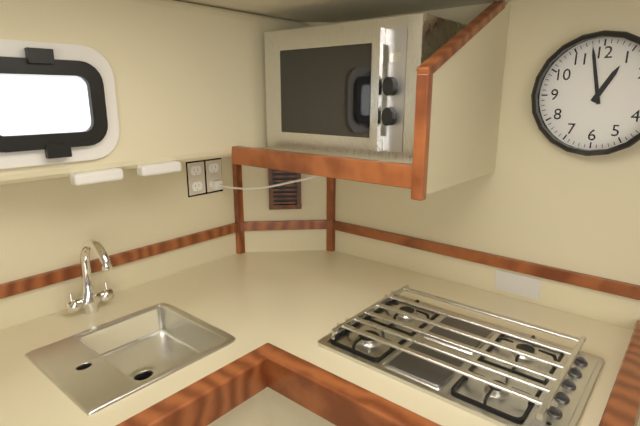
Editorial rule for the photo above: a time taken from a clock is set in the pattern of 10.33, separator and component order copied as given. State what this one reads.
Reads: 12.58
